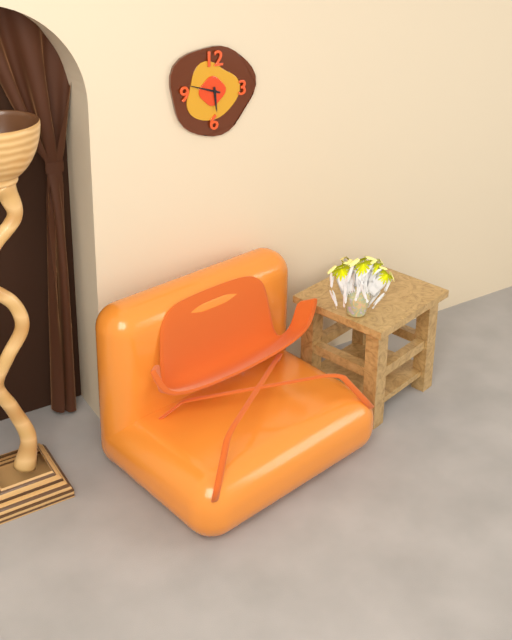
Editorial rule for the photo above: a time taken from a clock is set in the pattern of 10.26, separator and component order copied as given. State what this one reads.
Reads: 5.48
